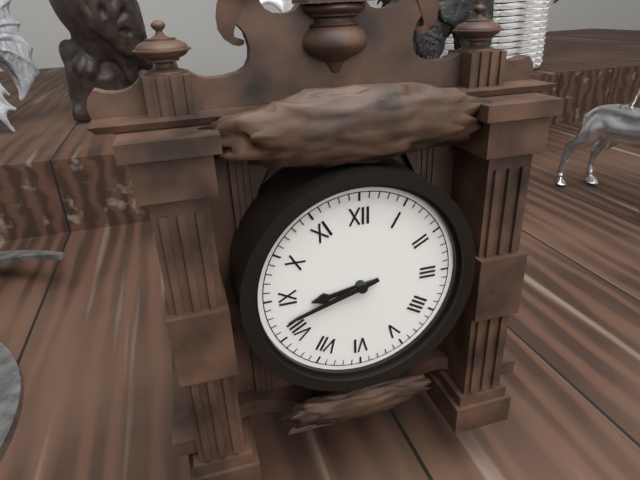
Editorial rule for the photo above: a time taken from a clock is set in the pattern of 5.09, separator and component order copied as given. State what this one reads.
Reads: 8.42
